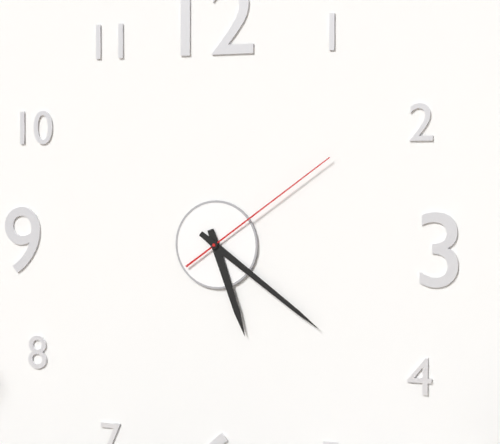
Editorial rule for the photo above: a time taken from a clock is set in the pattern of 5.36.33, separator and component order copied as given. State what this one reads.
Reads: 5.21.09
